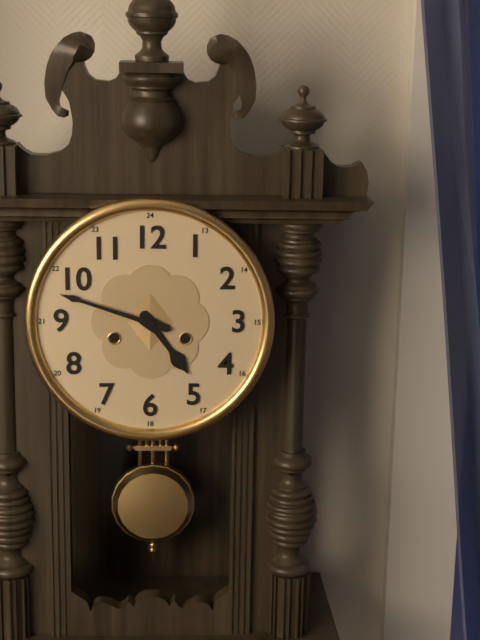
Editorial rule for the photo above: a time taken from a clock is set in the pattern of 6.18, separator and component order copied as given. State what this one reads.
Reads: 4.48
